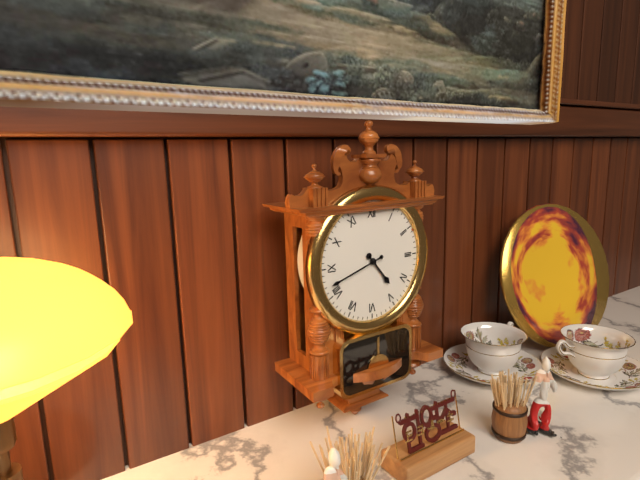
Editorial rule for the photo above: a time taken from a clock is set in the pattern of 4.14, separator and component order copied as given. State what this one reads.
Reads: 4.42
